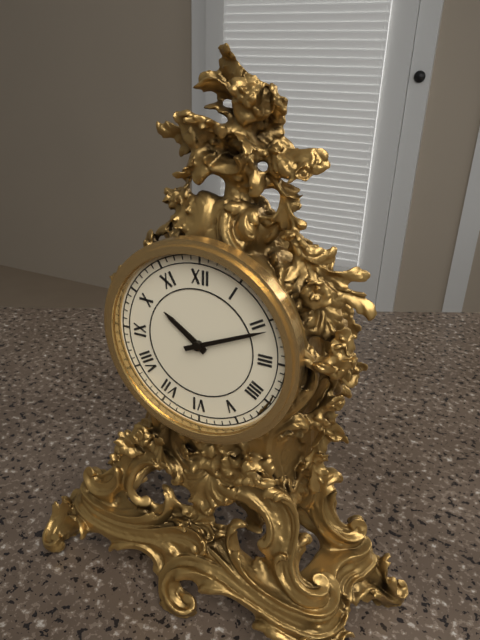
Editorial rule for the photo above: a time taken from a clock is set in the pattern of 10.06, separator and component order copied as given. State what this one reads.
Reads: 10.11
